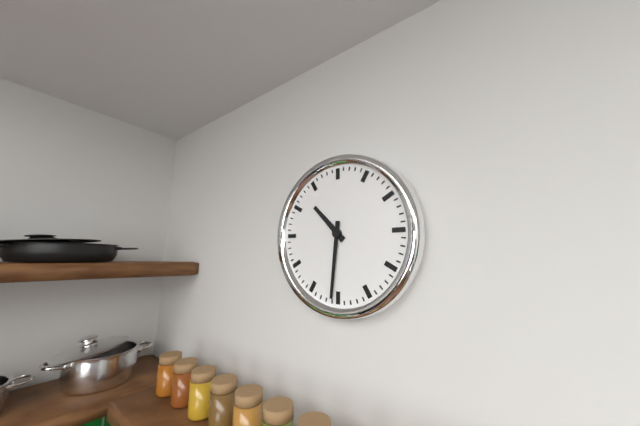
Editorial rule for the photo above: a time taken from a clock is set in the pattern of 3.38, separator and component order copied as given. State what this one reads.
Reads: 10.31
